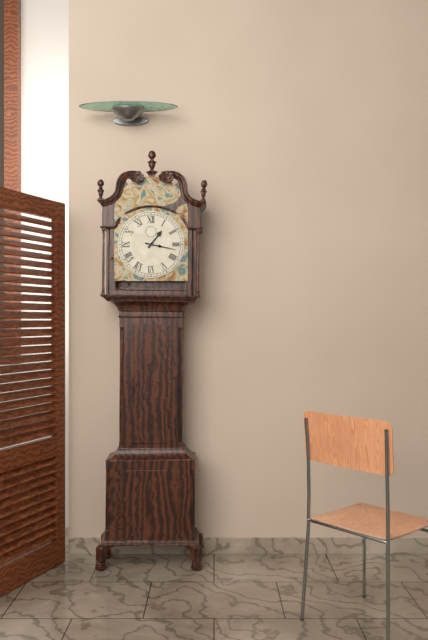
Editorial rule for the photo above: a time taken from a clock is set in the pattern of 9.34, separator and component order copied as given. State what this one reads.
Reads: 1.17
